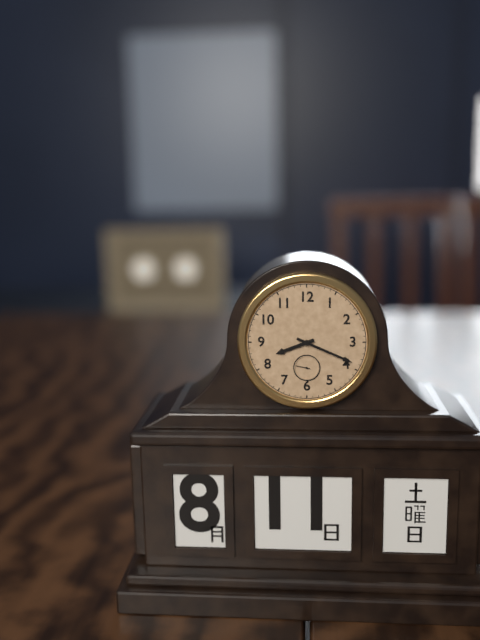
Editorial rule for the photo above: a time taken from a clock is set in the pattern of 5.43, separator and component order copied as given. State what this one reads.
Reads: 8.19
